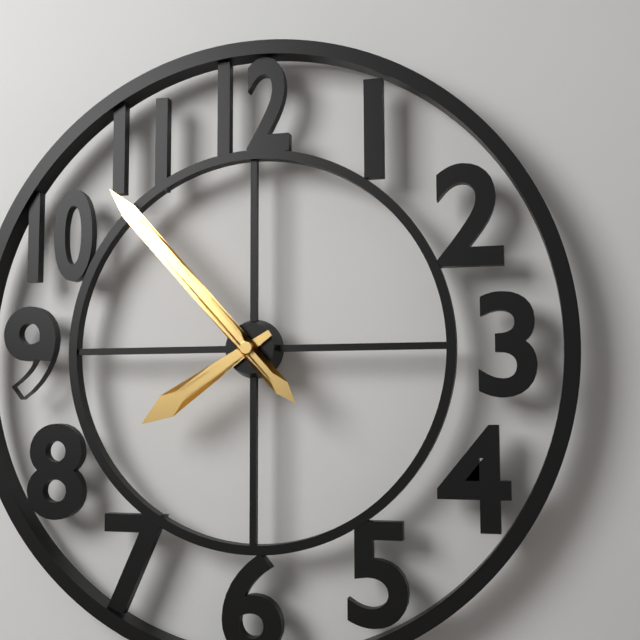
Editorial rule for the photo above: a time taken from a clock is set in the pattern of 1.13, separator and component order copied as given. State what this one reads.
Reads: 7.53
